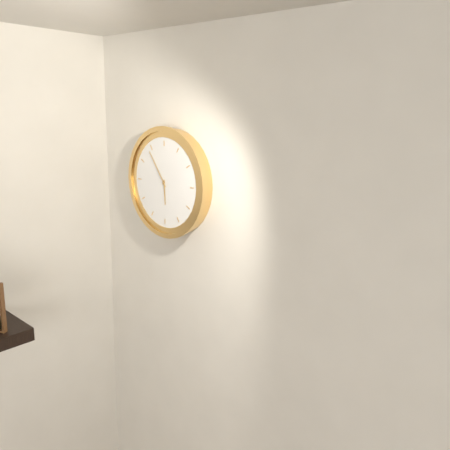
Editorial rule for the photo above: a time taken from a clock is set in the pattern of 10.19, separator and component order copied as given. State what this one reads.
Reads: 5.54
